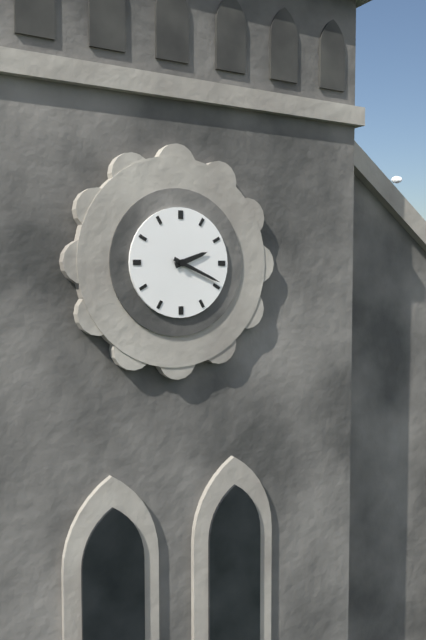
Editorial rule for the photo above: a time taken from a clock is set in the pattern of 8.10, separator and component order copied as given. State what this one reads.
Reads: 2.19
